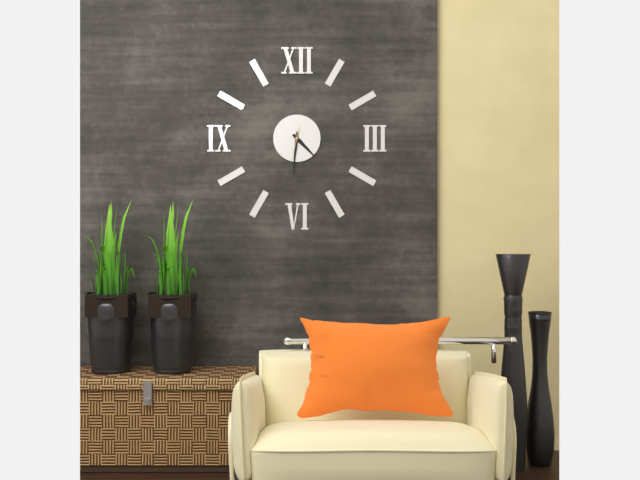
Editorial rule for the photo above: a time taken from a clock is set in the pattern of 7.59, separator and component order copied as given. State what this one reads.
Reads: 4.31
